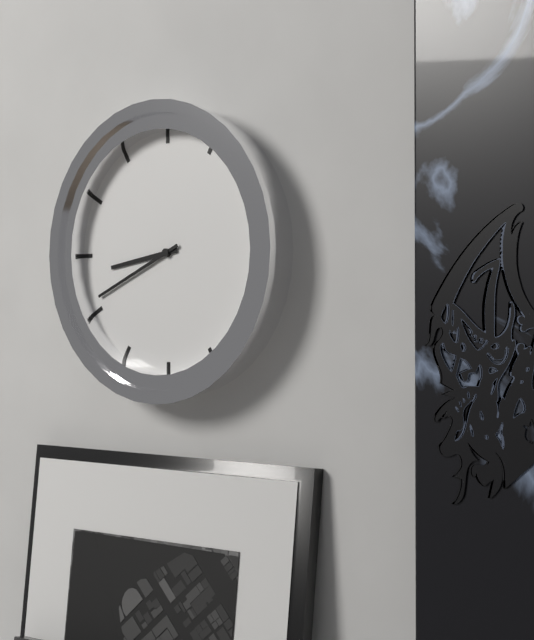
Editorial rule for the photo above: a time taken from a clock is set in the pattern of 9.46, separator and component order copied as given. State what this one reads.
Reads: 8.41
